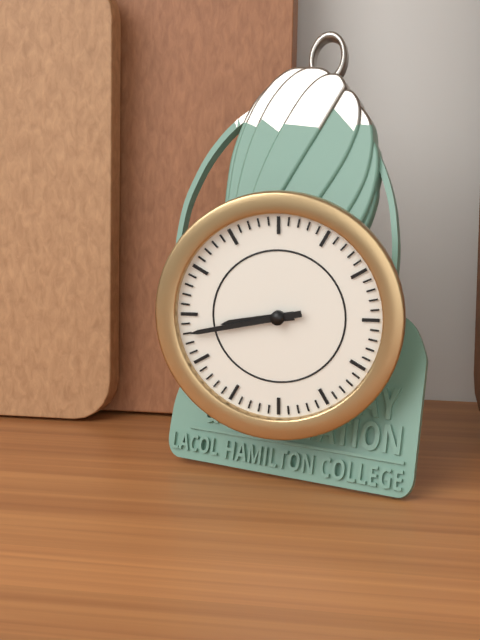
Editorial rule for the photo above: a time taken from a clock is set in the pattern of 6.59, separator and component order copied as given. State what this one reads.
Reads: 8.43
